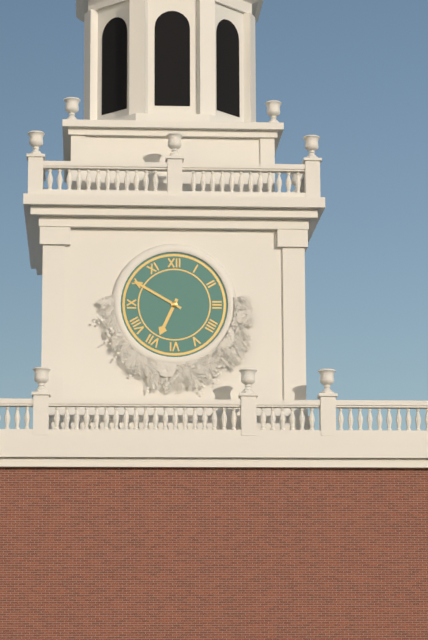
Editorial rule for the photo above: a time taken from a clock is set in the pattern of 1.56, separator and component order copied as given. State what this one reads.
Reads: 6.50
